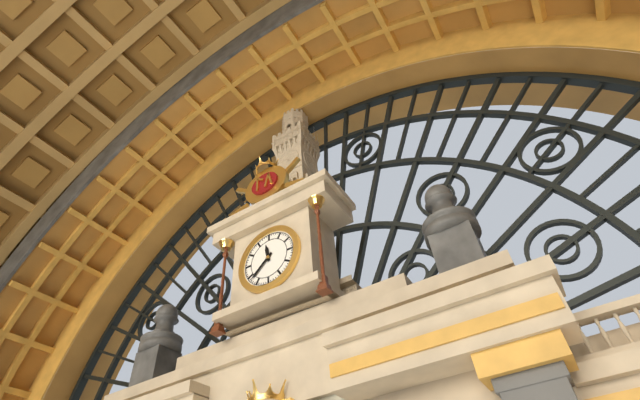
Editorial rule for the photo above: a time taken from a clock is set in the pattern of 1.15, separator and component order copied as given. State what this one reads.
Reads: 11.38
